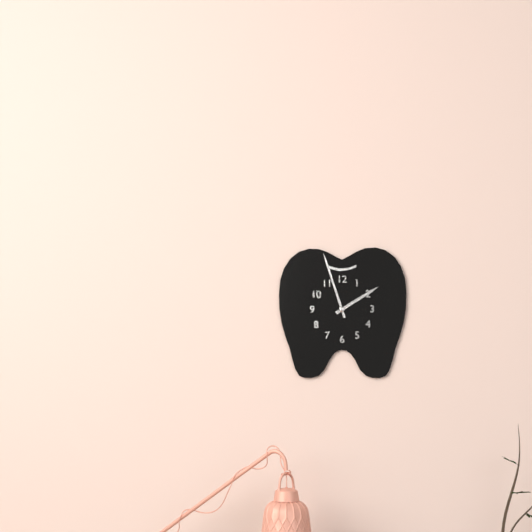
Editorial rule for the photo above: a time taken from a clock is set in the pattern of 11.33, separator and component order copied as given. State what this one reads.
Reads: 1.57
